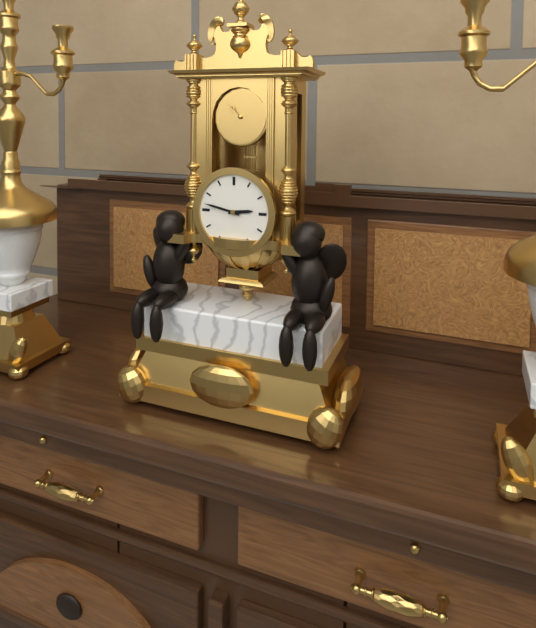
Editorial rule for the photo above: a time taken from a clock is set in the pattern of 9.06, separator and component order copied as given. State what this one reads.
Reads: 2.47
